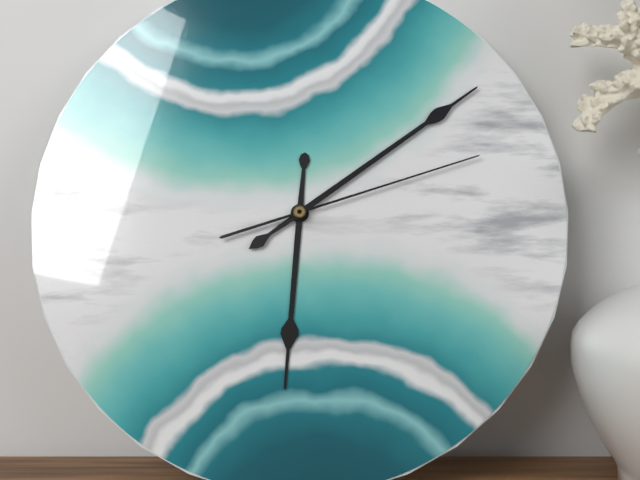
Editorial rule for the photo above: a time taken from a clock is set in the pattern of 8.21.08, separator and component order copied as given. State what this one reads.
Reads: 6.09.12
